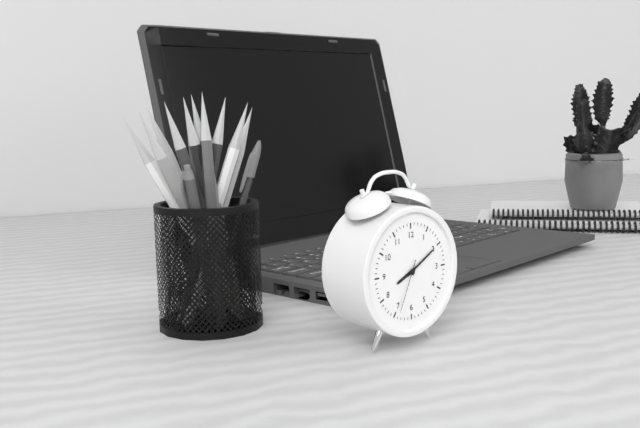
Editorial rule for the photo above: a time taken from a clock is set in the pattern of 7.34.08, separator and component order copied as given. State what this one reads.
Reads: 8.10.34
